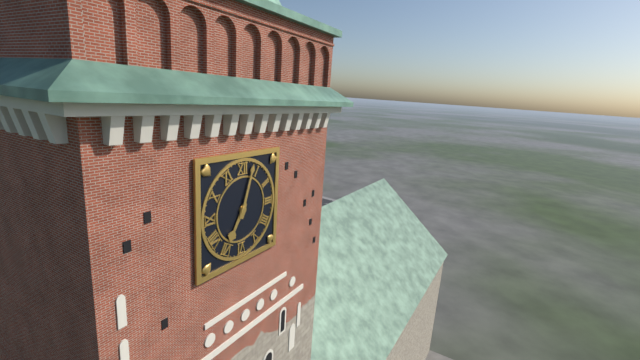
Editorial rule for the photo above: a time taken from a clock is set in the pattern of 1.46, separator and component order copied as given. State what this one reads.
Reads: 7.03
